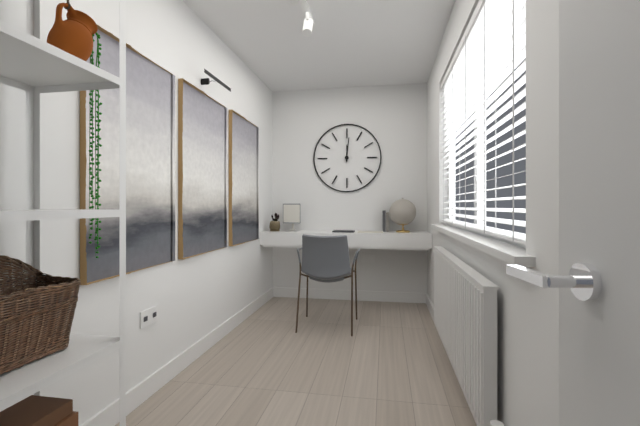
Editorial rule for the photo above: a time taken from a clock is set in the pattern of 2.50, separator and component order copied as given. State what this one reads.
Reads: 12.01
